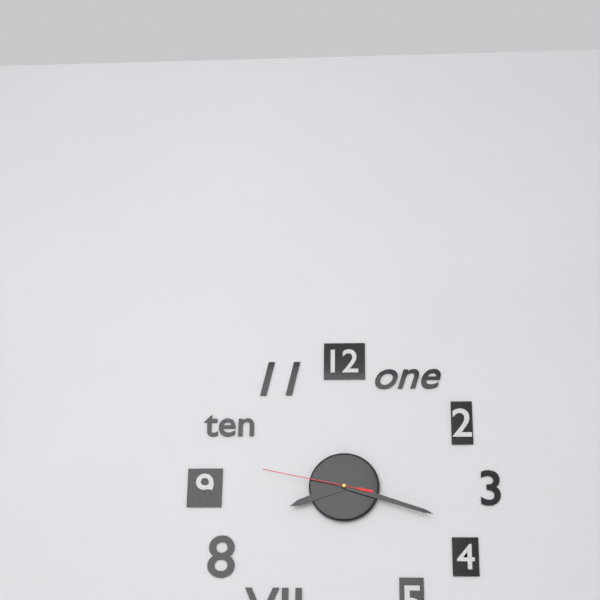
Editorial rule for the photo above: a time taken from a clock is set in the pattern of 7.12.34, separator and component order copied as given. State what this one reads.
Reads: 8.18.47
